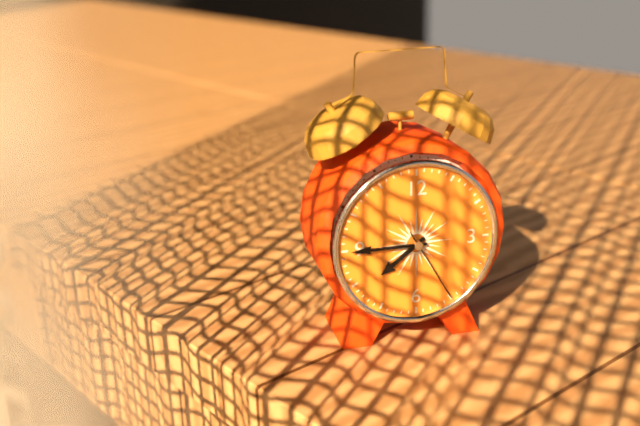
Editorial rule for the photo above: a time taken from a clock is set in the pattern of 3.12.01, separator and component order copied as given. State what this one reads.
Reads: 7.45.25
